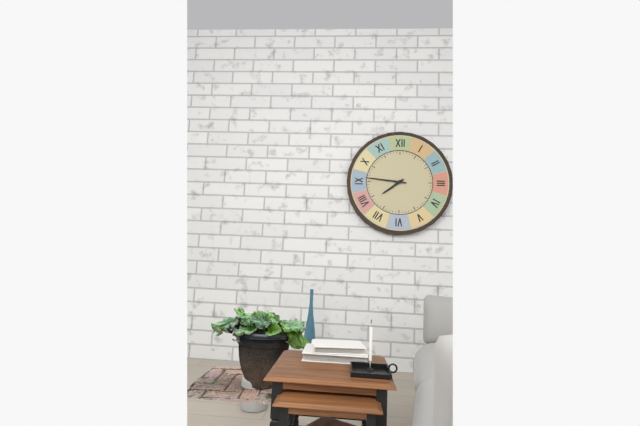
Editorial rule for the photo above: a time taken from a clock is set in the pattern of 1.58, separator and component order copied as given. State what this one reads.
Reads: 7.46
